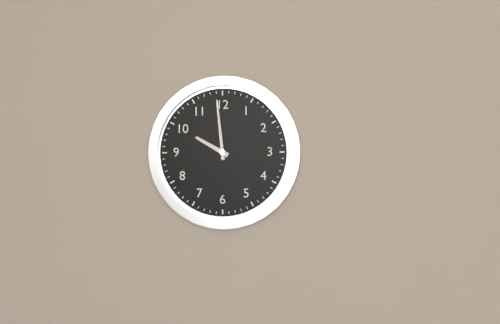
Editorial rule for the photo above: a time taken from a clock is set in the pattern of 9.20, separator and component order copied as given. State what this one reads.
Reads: 9.59
